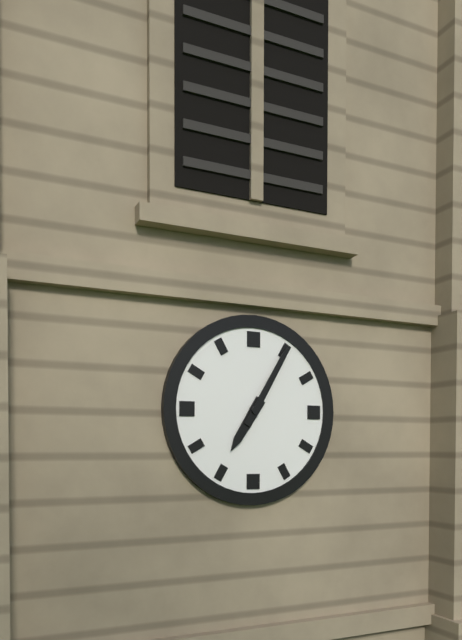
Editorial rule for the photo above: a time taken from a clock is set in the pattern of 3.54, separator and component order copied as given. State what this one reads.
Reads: 7.05
